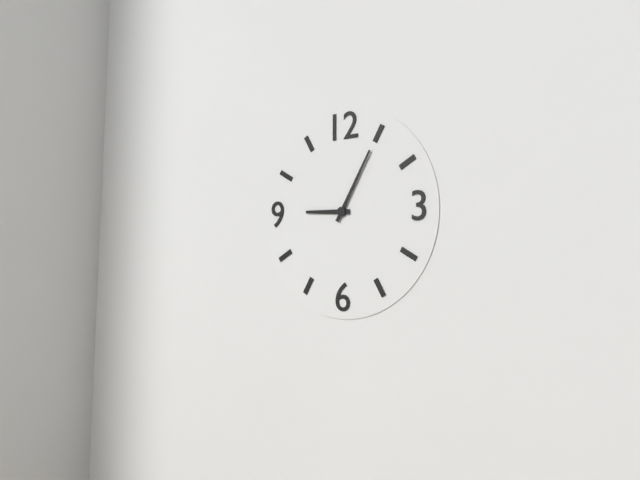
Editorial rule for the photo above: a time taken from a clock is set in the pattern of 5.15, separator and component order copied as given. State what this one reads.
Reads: 9.05
